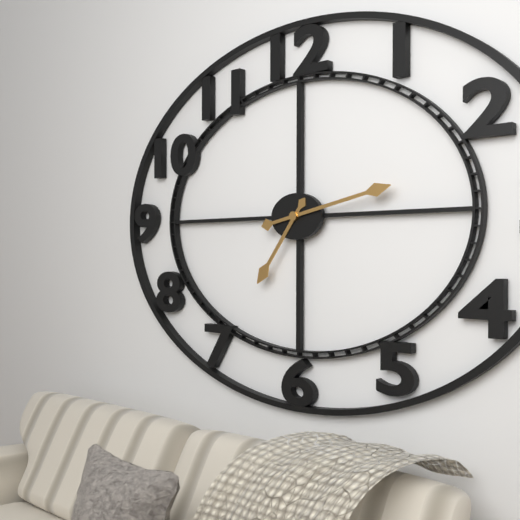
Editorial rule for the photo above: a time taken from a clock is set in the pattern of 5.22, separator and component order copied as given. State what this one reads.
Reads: 7.13
